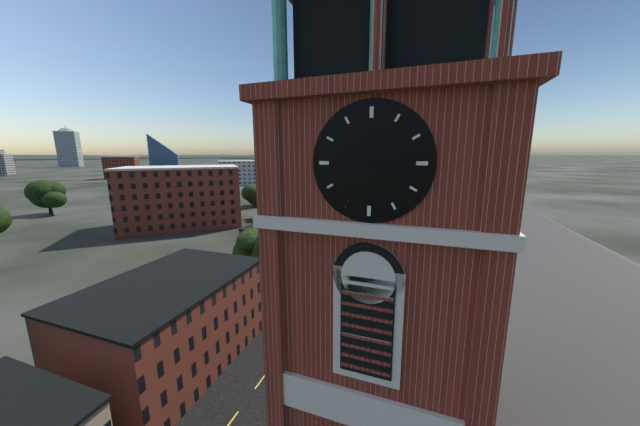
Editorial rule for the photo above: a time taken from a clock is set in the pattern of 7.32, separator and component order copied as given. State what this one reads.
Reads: 9.14
